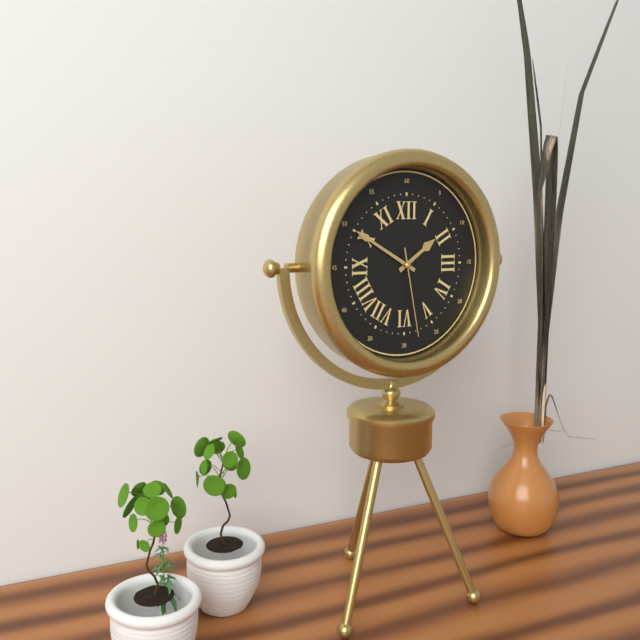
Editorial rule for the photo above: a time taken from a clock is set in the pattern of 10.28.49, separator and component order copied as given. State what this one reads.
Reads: 1.50.28
